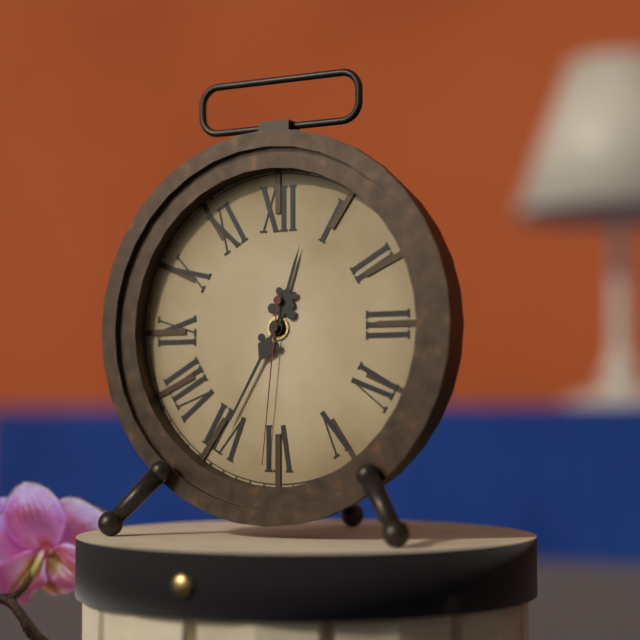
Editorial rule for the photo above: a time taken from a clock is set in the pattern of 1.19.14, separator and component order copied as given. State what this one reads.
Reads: 12.35.31
